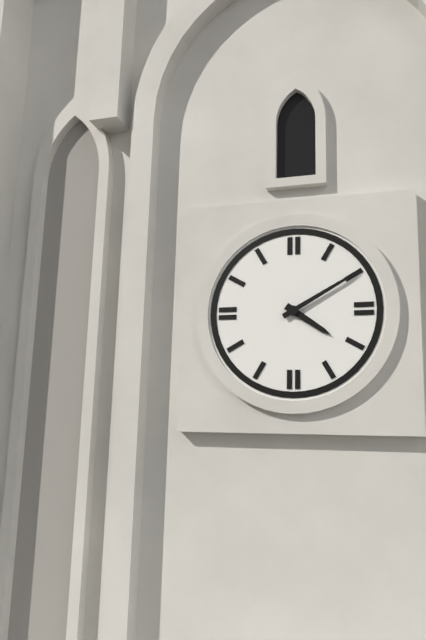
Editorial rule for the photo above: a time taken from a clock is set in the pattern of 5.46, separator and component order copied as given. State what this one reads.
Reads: 4.10
